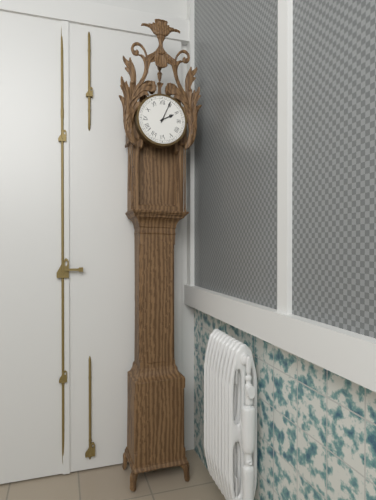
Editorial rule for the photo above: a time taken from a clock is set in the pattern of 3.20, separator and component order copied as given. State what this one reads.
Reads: 2.04
